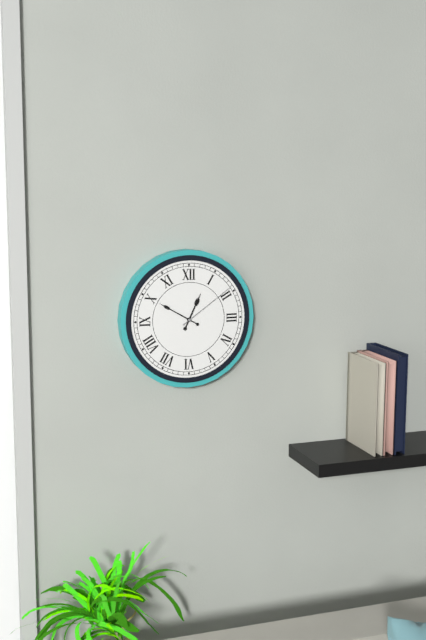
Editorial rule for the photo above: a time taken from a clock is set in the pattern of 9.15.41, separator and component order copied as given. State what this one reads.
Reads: 12.50.09
